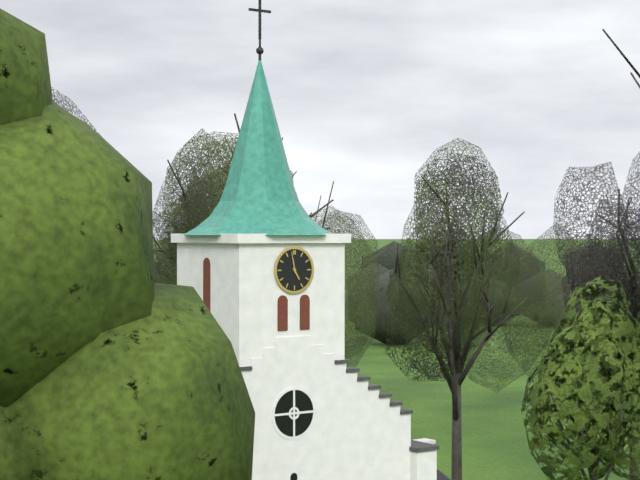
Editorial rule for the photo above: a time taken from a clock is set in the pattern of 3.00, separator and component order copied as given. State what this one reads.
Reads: 4.58
